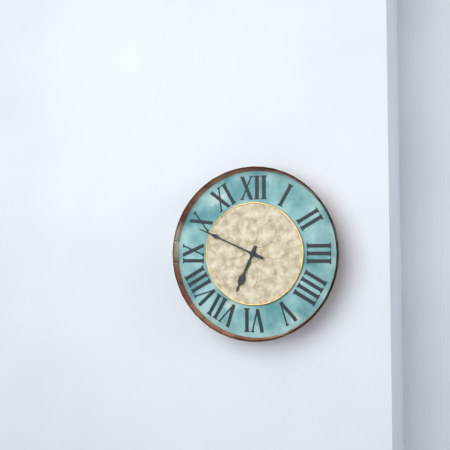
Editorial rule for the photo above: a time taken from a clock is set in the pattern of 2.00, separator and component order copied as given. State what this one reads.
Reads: 6.49
